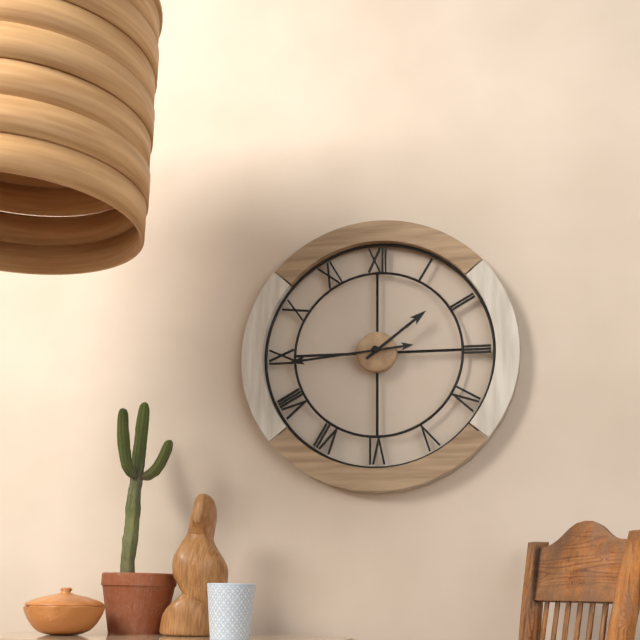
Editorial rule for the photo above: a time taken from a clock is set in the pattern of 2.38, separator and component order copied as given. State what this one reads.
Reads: 1.44
